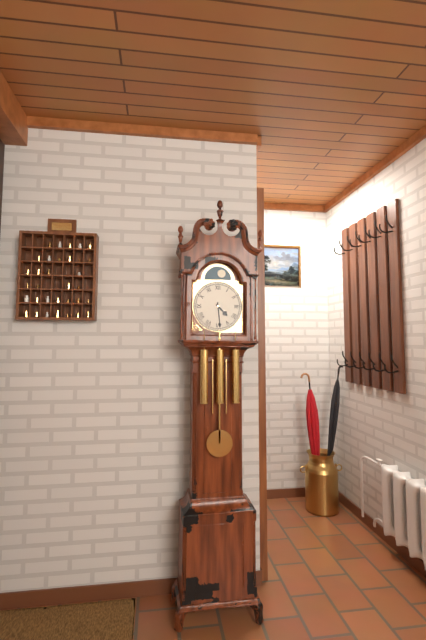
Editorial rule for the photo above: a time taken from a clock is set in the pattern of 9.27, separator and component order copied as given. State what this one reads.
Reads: 4.29
